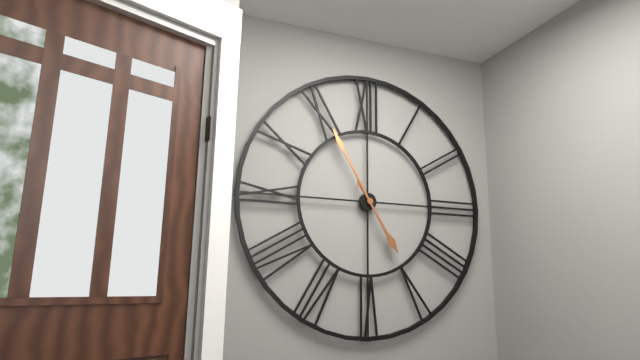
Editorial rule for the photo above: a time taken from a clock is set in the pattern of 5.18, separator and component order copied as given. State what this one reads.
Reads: 4.55
